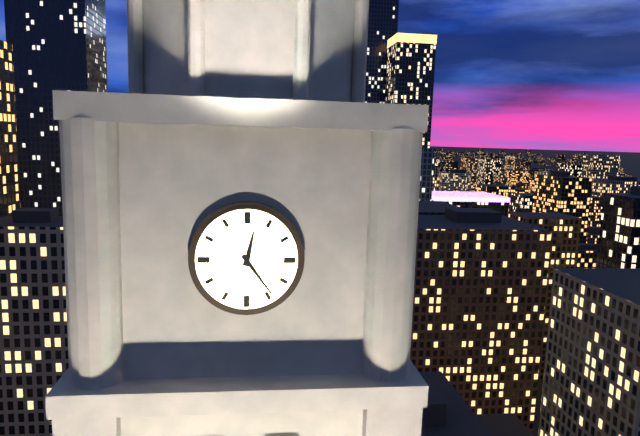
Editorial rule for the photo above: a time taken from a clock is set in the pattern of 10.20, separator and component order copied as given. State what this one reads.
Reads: 12.24
